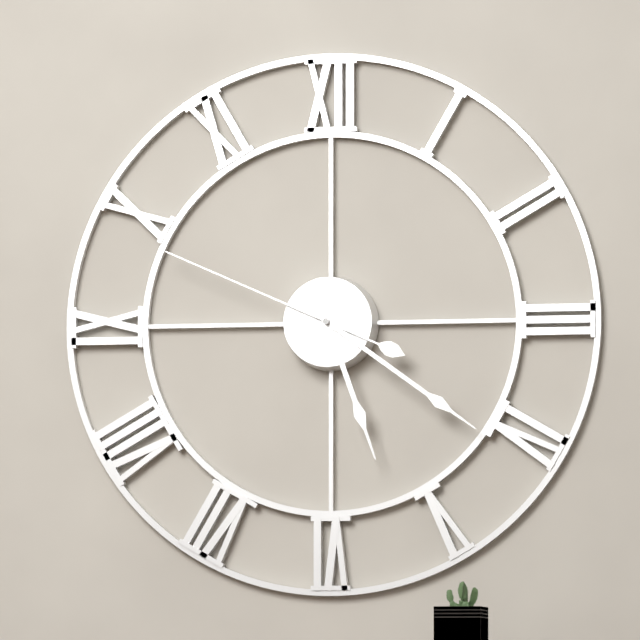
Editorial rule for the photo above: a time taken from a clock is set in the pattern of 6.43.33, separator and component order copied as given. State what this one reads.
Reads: 5.21.49
